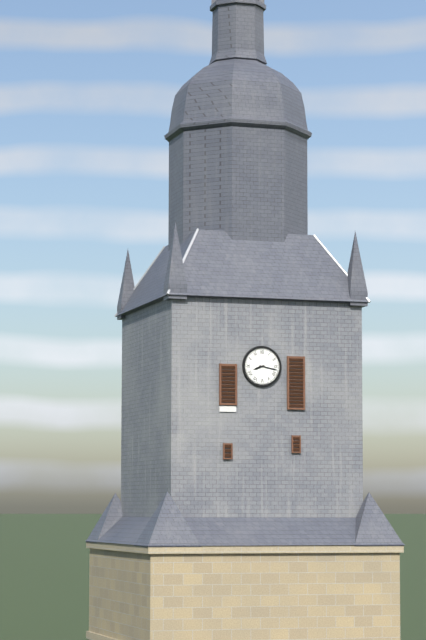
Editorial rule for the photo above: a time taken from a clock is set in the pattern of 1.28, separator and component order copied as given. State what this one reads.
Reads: 8.17
